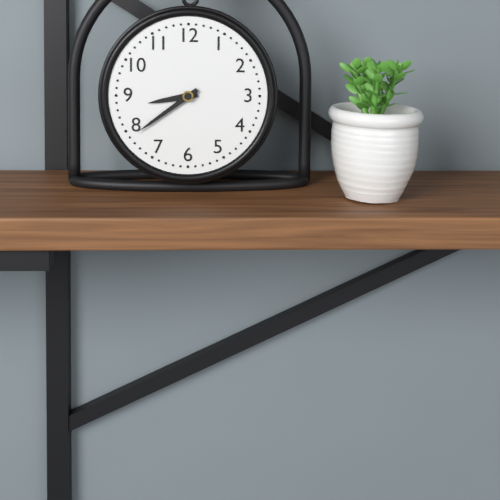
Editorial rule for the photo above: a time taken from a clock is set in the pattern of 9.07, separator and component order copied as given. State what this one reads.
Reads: 8.39
